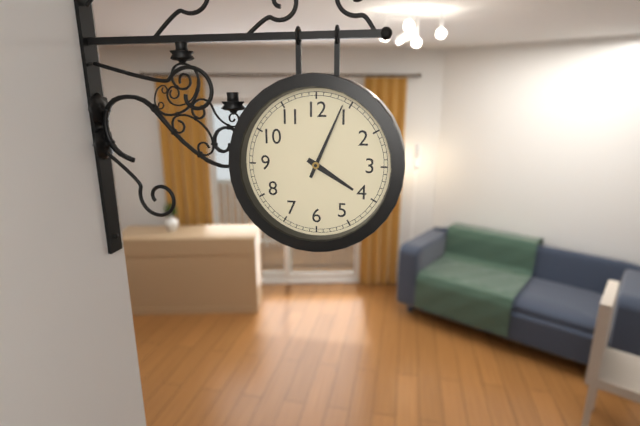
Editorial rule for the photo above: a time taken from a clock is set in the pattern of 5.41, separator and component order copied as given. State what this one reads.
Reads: 4.04
